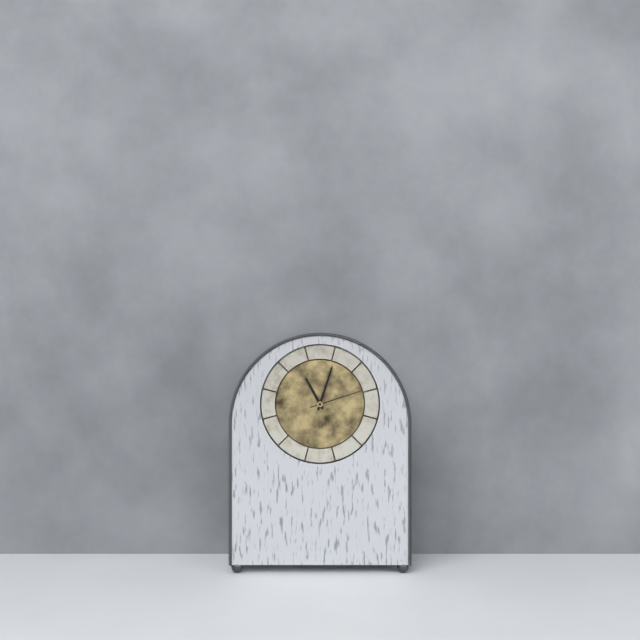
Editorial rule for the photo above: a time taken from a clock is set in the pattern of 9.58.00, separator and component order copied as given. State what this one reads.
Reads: 11.03.12
